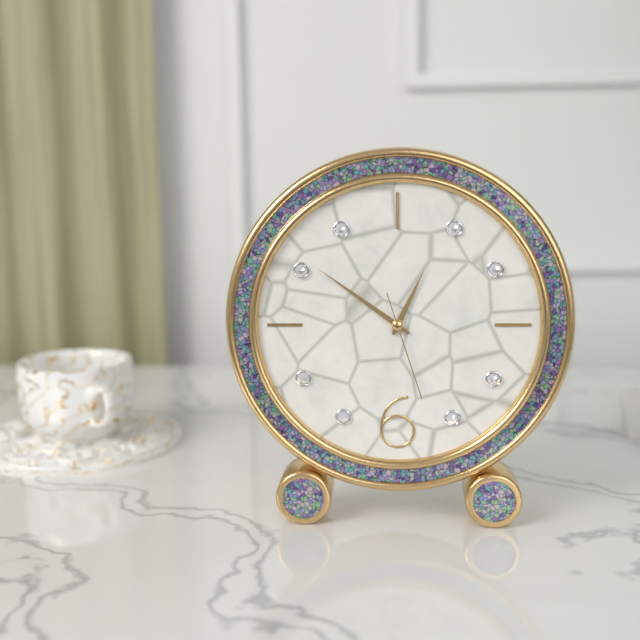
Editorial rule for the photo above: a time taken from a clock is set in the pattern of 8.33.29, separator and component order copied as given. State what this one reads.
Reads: 12.51.27
